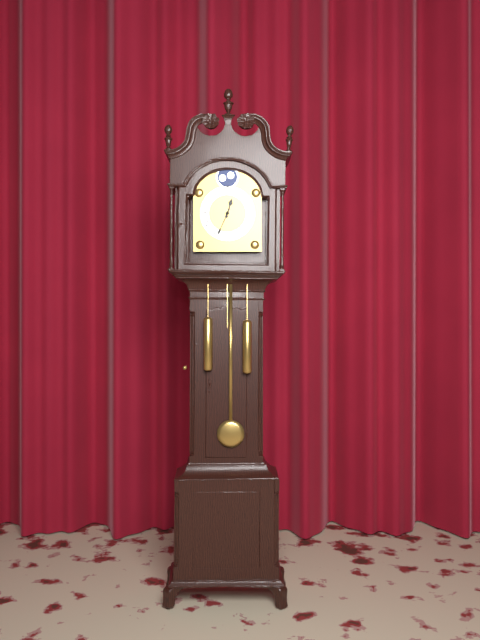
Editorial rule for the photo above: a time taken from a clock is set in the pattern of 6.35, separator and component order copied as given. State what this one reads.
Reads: 12.34
